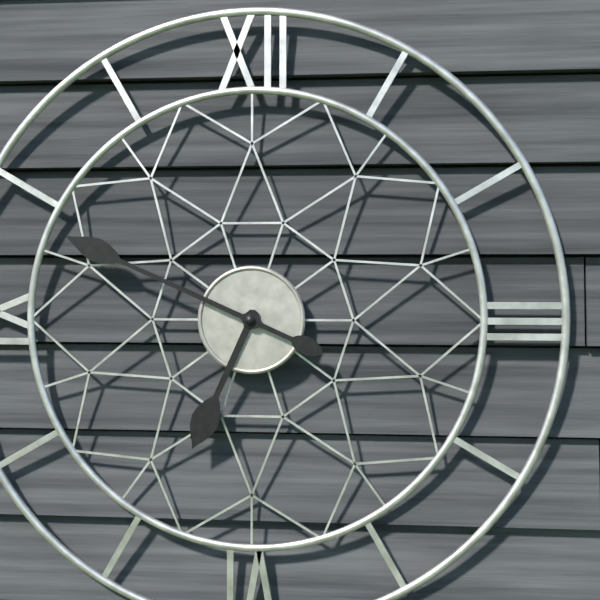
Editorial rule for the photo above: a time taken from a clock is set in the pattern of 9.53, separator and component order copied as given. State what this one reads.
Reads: 6.49
